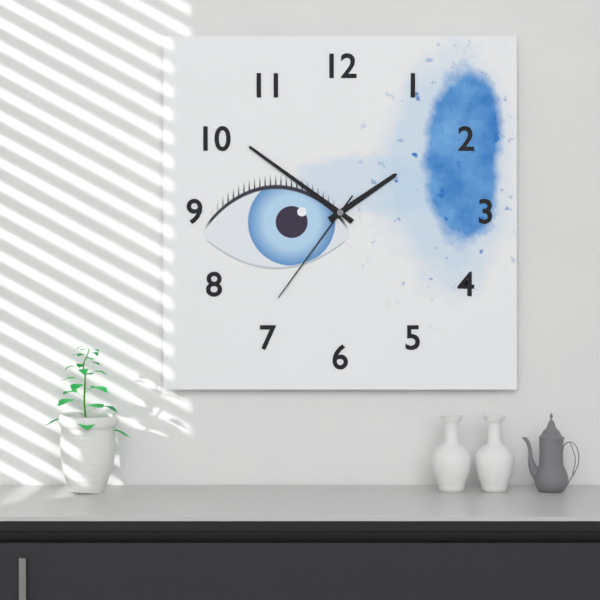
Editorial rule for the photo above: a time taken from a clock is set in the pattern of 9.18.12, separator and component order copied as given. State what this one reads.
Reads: 1.51.36
